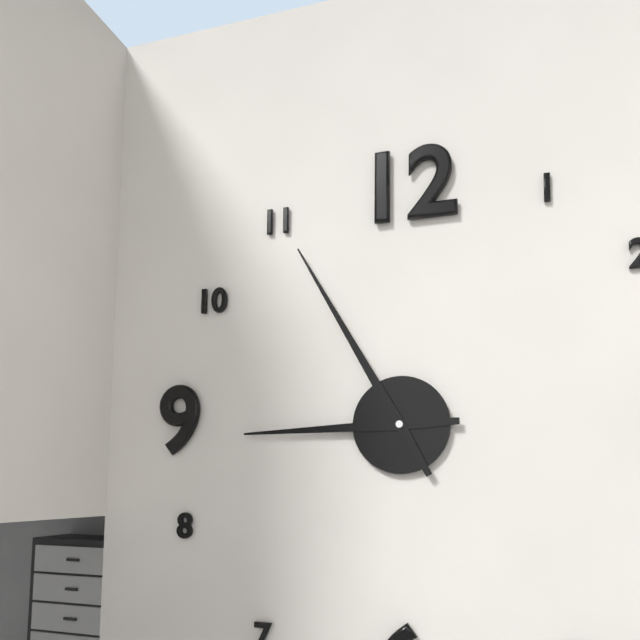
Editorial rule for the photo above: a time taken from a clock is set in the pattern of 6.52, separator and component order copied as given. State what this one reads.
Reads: 8.55
